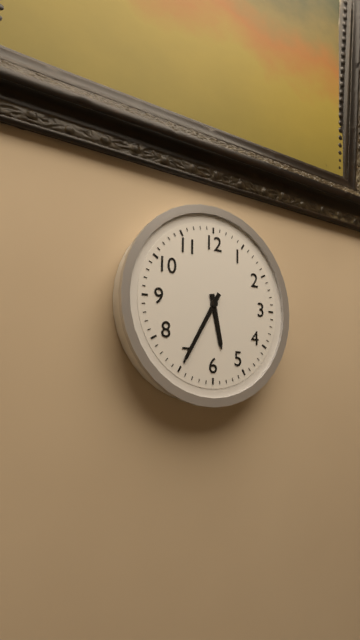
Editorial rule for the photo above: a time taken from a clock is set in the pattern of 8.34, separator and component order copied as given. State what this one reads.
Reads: 5.35
